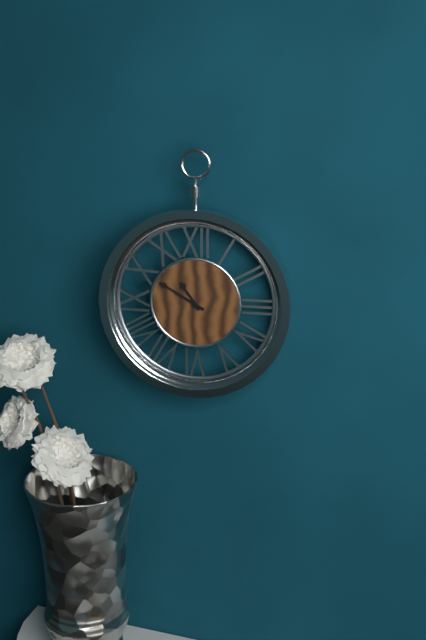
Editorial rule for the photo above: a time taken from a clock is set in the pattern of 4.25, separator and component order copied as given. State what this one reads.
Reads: 10.50
